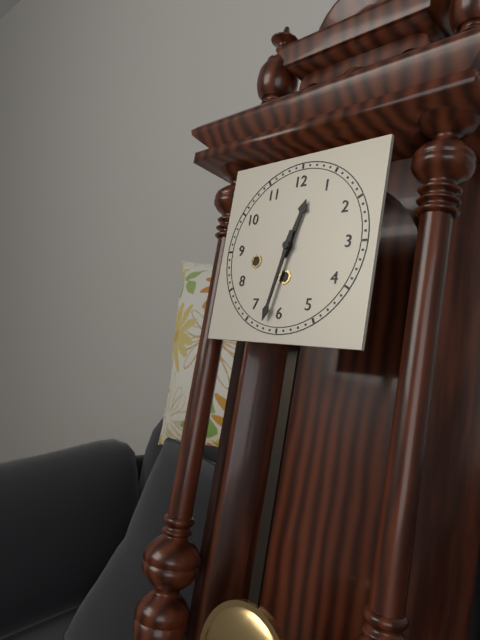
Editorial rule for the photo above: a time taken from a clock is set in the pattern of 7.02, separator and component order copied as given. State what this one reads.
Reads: 12.32
